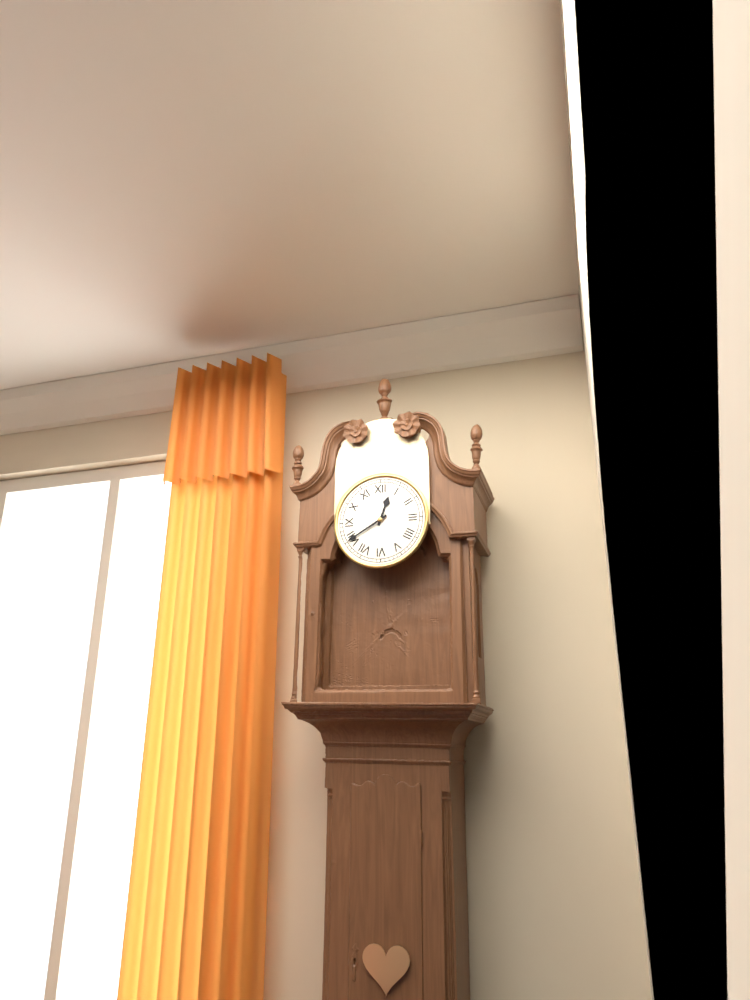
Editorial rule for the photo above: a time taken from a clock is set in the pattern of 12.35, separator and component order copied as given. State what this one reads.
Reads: 12.40
